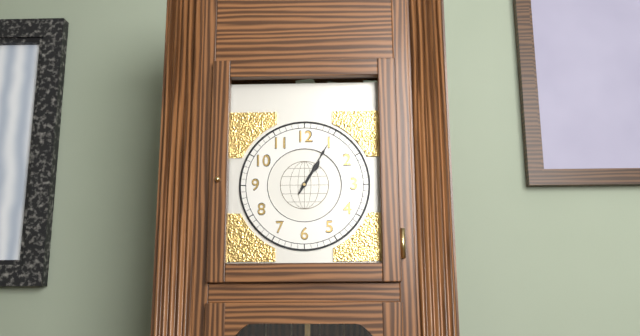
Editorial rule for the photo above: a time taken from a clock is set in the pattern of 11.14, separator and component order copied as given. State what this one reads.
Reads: 1.05
